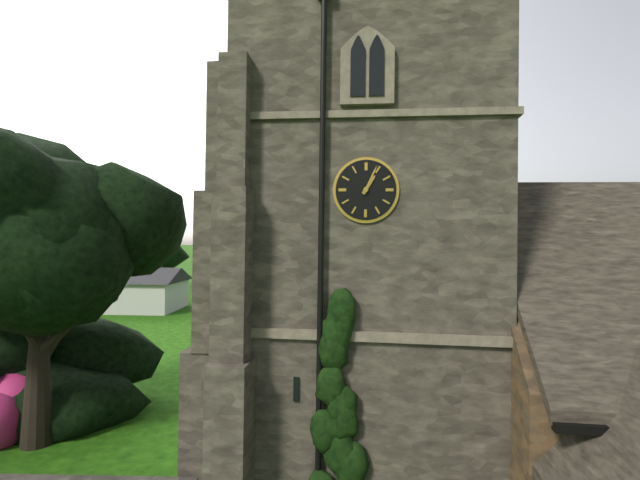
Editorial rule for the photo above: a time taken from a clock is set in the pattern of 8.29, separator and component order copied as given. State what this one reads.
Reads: 1.04
